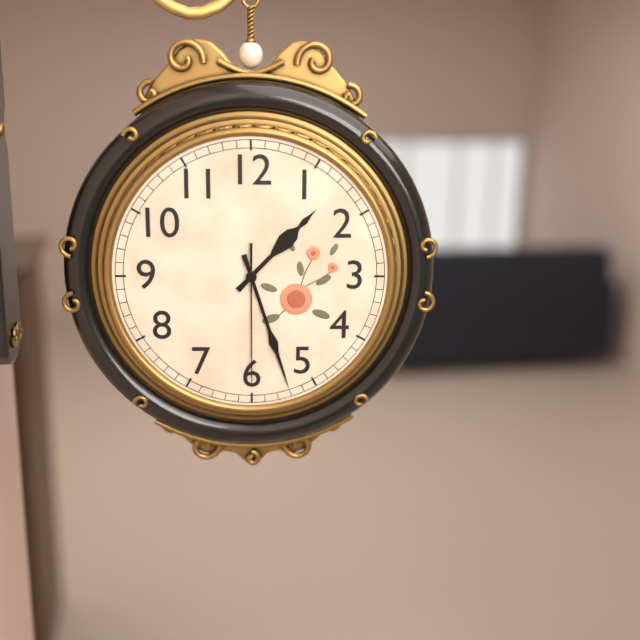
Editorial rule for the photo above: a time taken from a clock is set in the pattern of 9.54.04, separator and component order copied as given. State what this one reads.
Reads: 1.27.30
